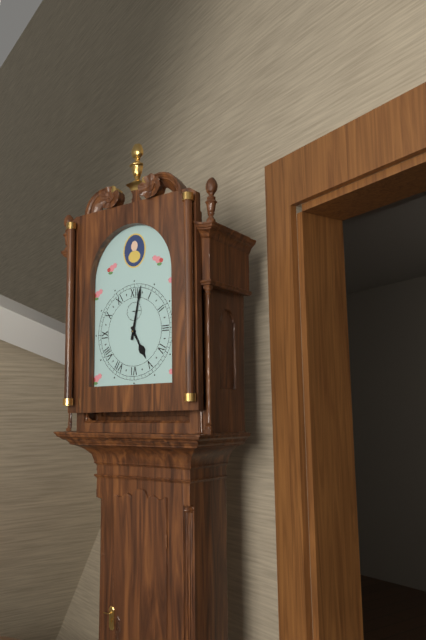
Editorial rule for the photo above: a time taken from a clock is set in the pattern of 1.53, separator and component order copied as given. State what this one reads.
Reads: 5.02
